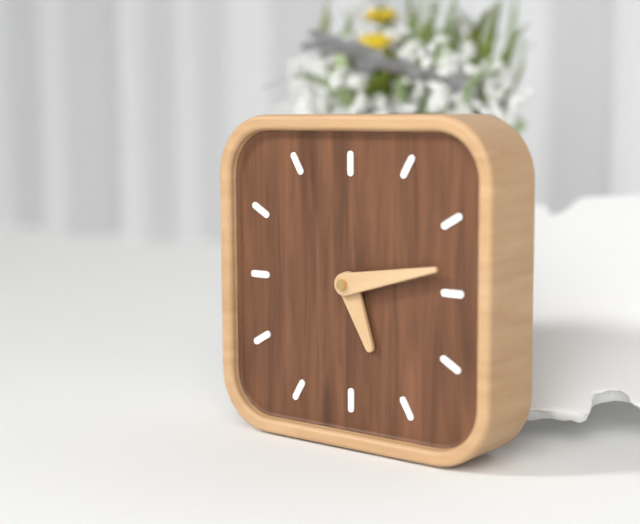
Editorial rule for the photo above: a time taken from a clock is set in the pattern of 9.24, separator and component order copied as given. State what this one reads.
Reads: 5.13
